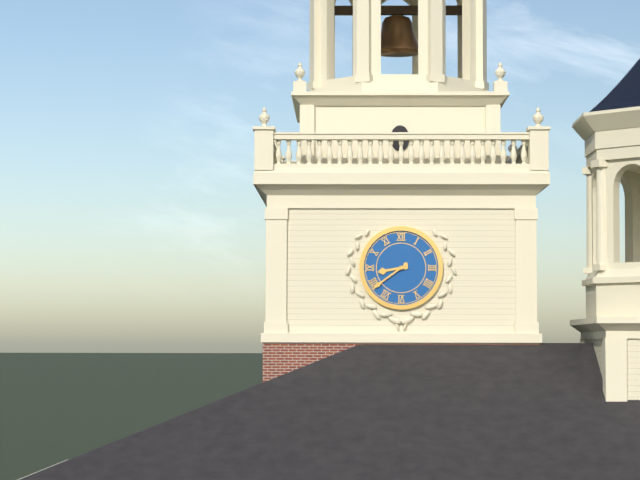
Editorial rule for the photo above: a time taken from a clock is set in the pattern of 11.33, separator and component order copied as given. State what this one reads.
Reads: 8.39
